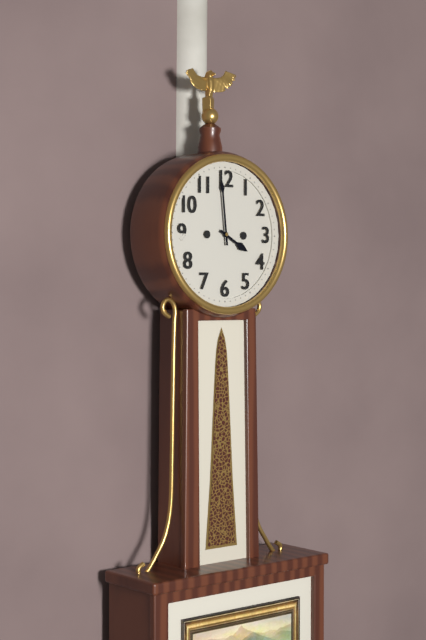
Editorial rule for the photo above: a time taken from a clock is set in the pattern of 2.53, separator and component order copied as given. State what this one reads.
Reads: 3.59
